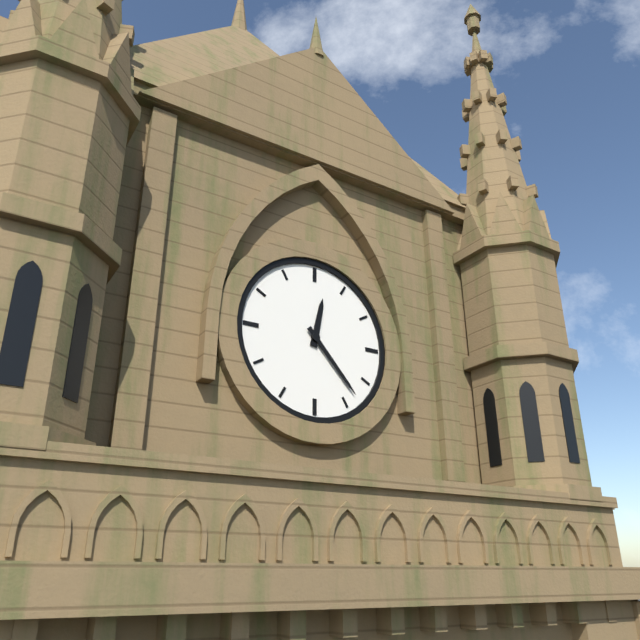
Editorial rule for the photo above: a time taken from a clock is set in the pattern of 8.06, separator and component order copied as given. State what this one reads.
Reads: 12.23
